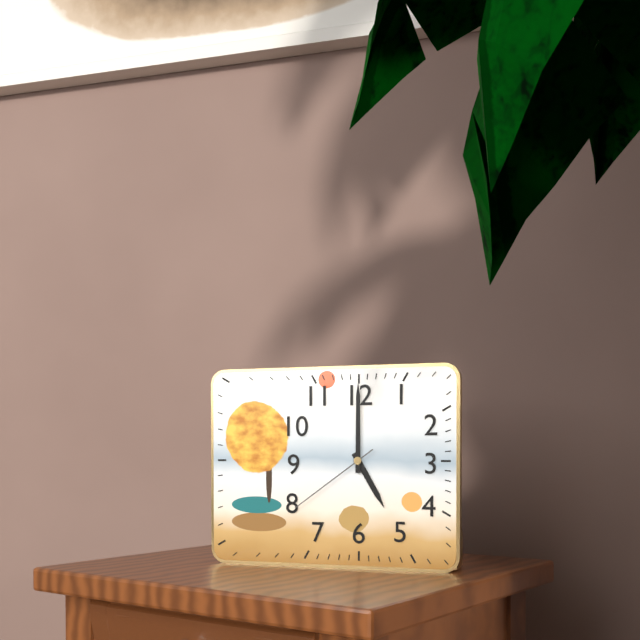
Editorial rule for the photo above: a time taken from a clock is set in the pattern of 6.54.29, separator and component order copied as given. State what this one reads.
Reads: 5.00.39
